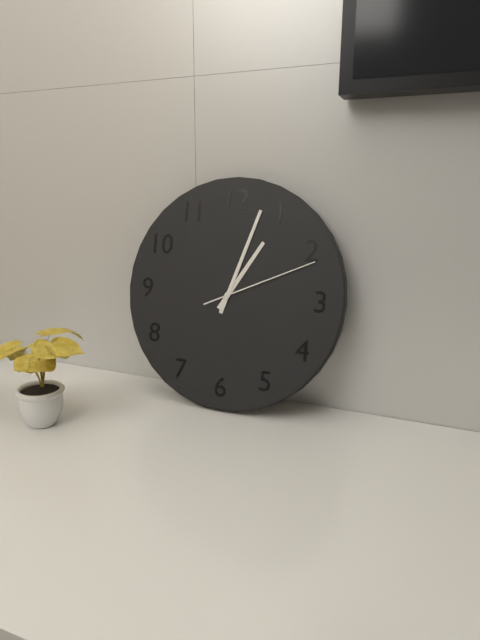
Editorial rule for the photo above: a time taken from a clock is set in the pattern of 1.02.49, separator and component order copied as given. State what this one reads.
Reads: 1.03.11
